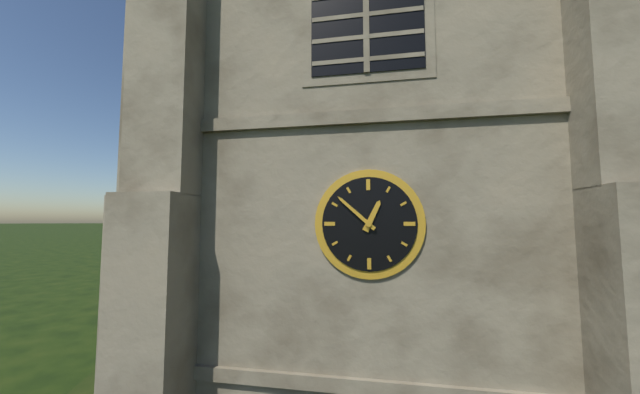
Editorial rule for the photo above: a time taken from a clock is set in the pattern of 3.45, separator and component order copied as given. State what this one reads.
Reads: 12.52
